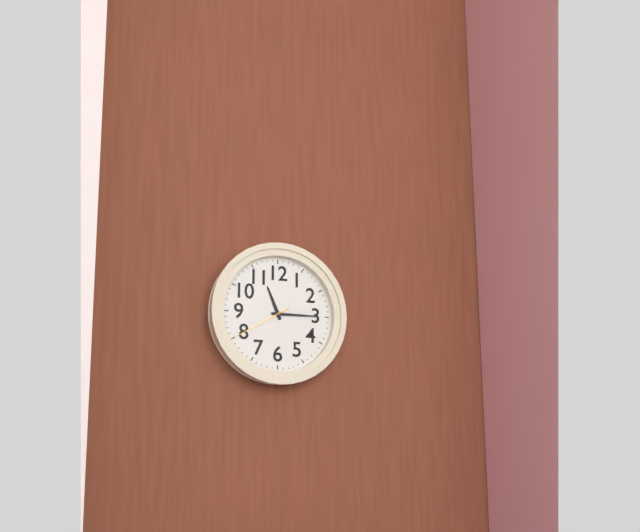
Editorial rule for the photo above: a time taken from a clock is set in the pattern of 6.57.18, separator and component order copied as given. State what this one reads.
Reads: 11.15.40
